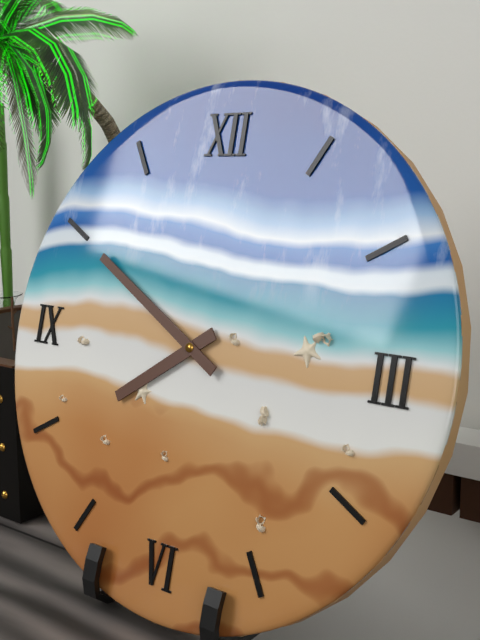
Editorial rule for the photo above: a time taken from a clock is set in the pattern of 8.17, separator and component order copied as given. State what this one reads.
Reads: 7.50
